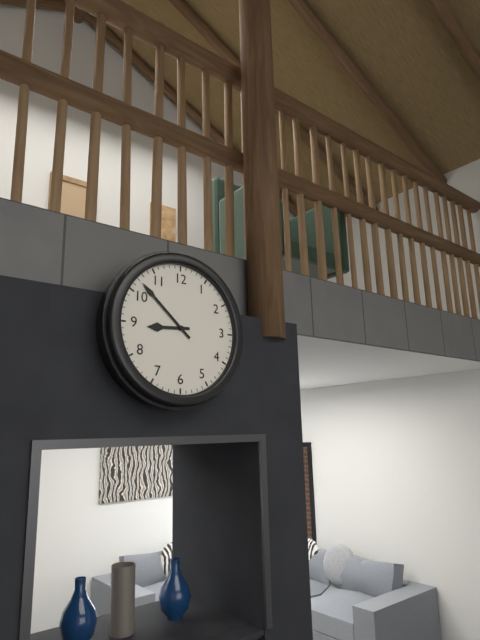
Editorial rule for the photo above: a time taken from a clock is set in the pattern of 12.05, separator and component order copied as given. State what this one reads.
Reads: 8.52
